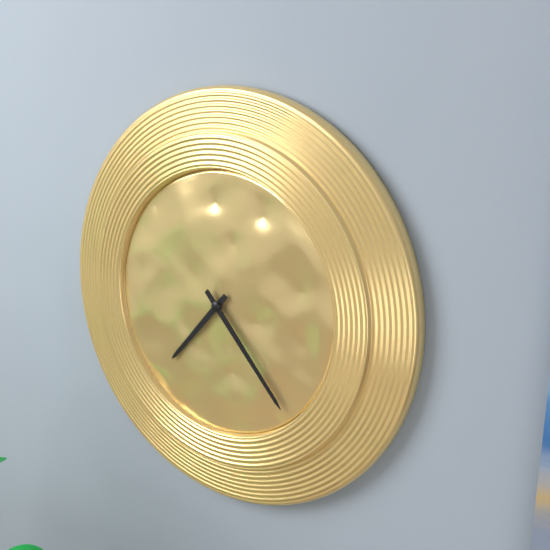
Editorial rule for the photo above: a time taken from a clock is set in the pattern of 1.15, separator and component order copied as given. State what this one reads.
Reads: 7.23
